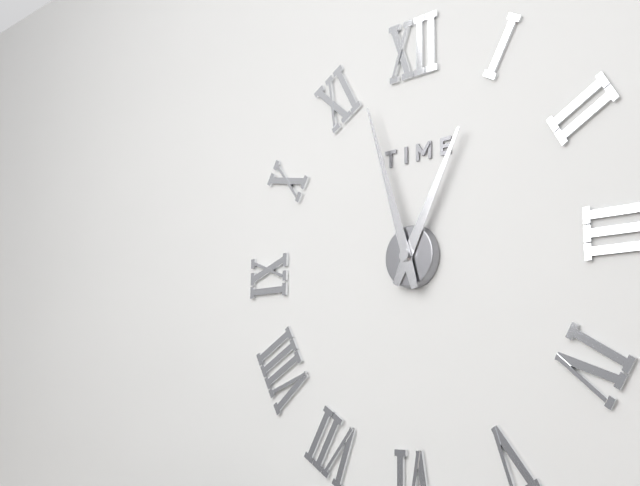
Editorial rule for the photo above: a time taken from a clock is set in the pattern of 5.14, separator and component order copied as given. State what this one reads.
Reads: 12.57
